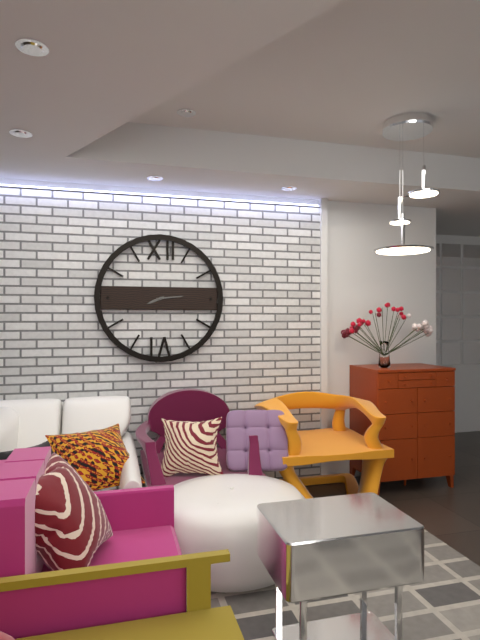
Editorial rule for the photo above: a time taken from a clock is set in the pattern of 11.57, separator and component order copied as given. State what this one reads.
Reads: 8.14
